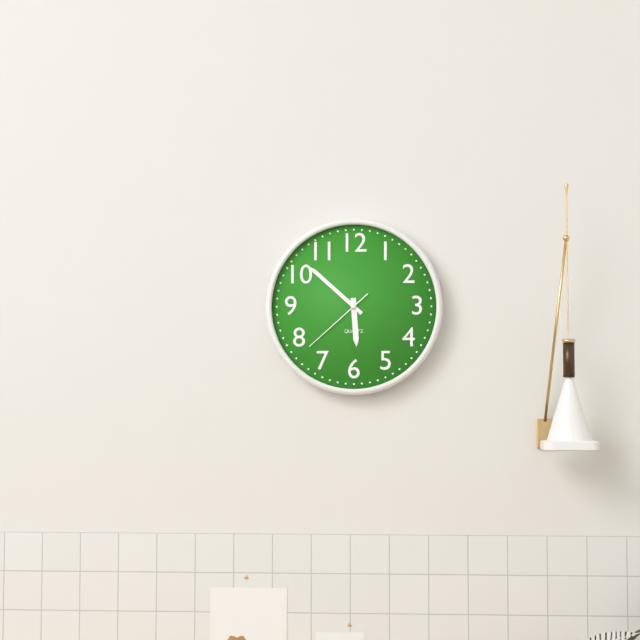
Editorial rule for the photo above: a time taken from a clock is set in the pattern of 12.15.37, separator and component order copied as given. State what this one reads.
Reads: 5.52.38
